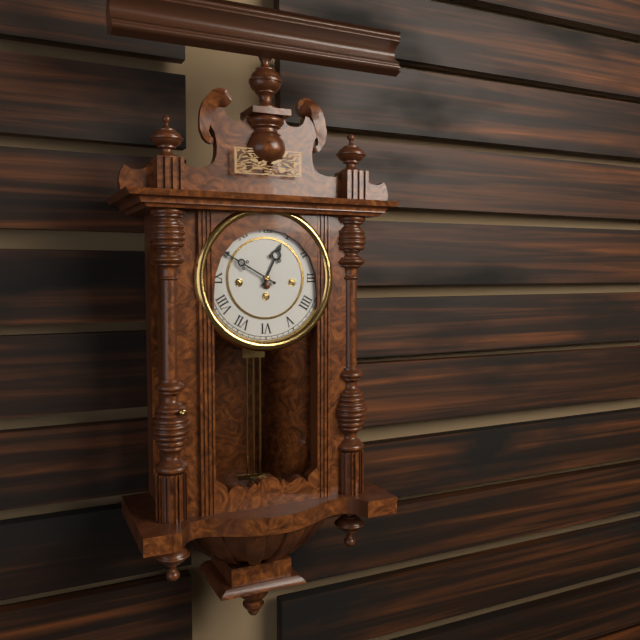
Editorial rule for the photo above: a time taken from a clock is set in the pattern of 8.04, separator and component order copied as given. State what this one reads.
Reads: 12.50
